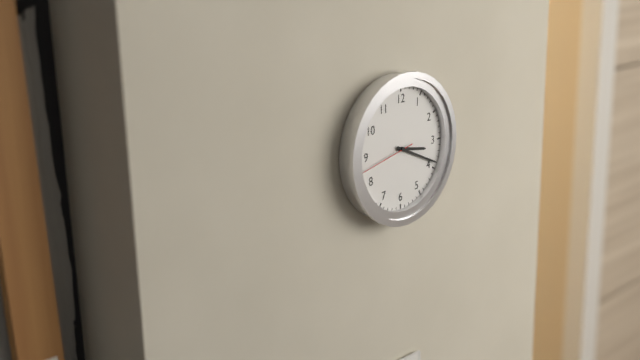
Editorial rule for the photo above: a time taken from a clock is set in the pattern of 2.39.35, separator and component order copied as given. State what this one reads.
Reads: 3.19.43
